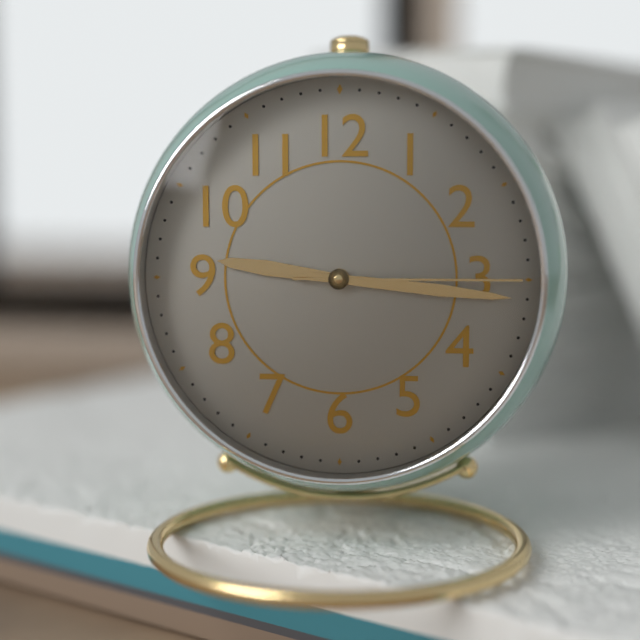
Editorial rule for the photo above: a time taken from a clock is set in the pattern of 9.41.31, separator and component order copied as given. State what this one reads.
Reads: 9.16.15
